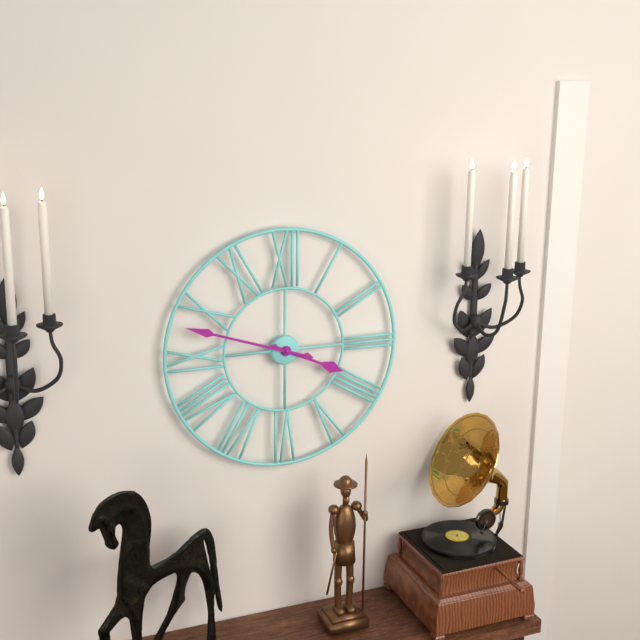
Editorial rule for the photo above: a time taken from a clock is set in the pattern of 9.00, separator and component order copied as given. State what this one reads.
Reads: 3.48
